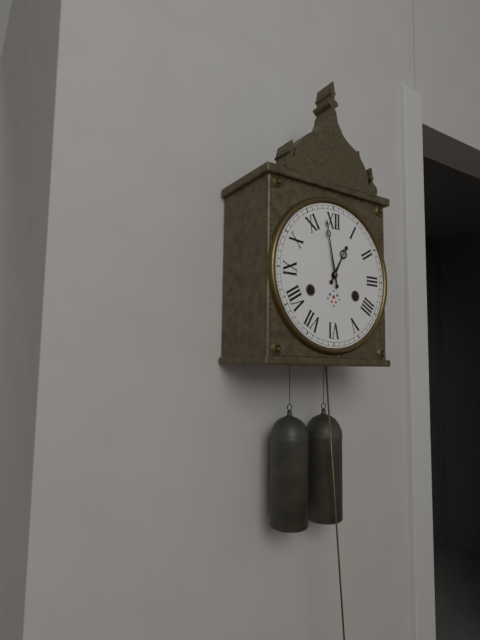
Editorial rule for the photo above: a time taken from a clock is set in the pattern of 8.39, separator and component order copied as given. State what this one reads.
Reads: 12.58
